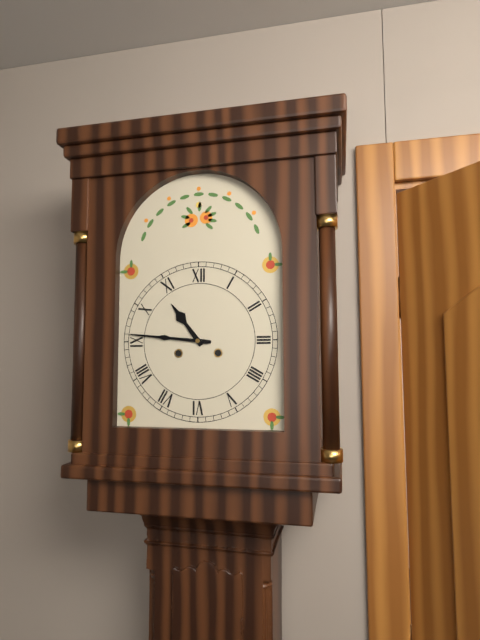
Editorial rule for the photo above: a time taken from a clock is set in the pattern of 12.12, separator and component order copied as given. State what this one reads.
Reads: 10.46
